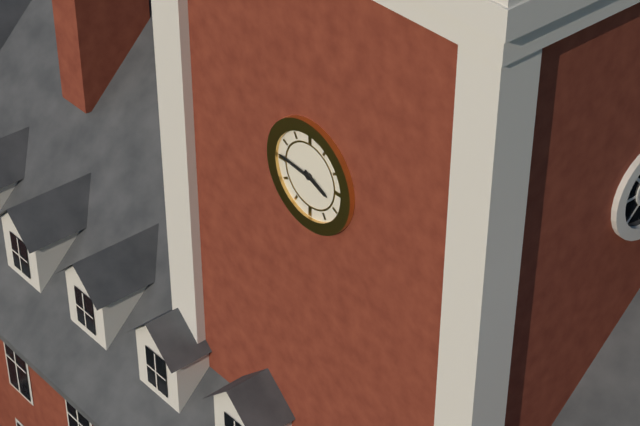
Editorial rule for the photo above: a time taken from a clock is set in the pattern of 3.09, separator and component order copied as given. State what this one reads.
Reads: 3.46
